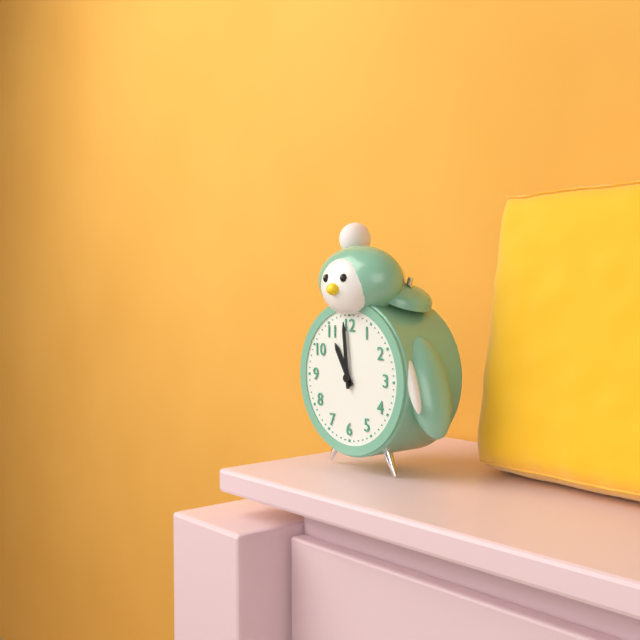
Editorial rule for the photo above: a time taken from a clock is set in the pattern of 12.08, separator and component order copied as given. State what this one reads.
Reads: 10.59
